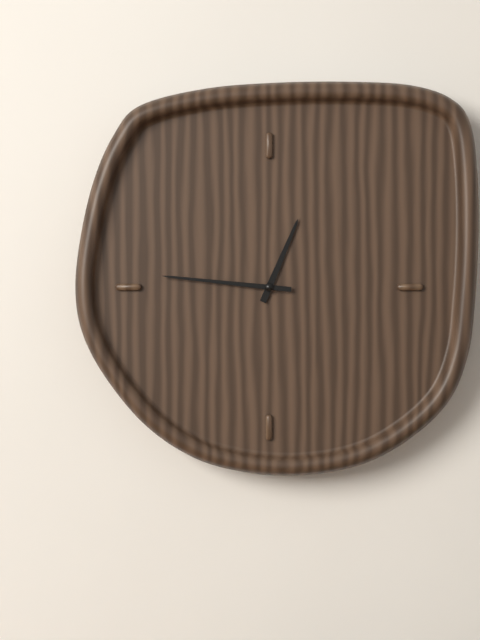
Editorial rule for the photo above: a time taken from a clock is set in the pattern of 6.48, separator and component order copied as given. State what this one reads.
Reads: 12.46
